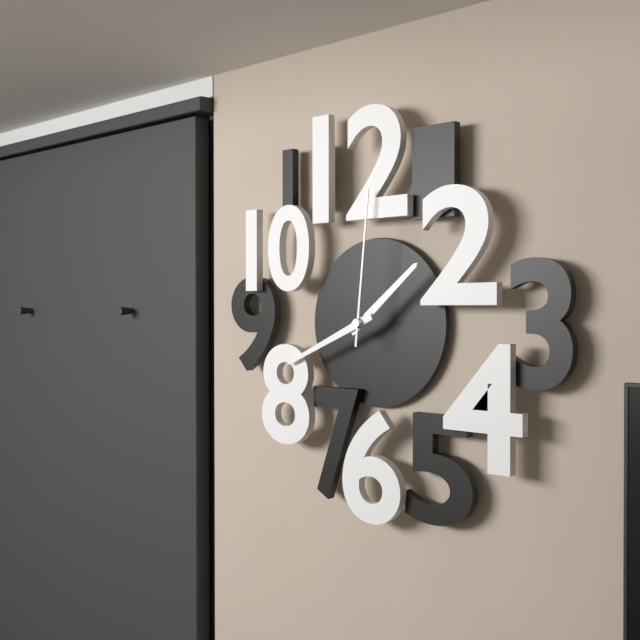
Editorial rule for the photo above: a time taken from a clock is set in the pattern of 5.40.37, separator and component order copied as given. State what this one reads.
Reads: 1.41.01
